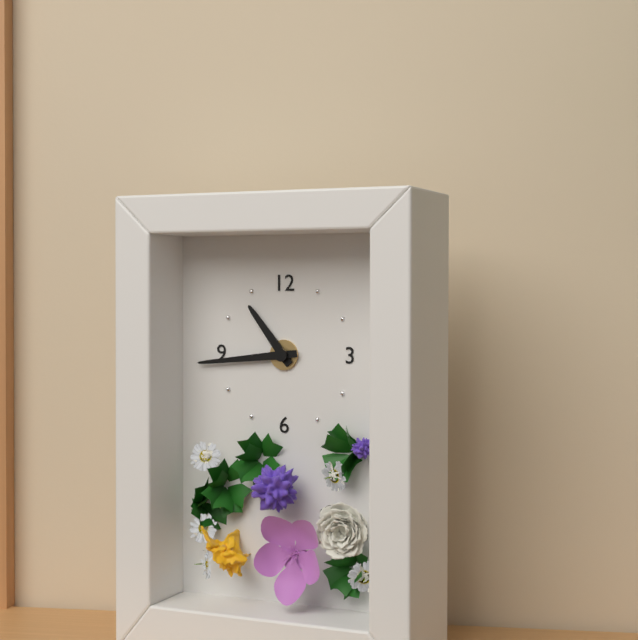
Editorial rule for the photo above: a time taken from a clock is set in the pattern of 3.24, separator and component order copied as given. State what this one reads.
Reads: 10.44
